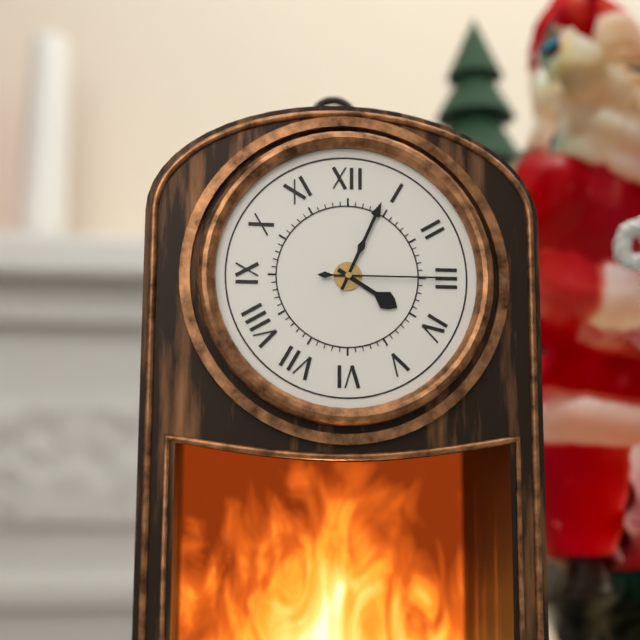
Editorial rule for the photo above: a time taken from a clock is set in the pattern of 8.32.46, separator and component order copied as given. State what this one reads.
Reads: 4.04.15
